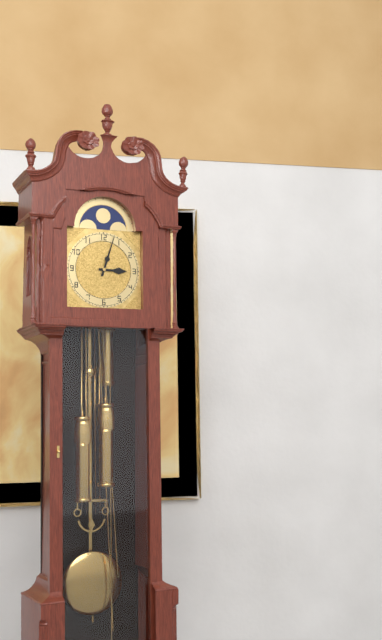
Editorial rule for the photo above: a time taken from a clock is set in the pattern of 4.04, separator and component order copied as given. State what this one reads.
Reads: 3.03
